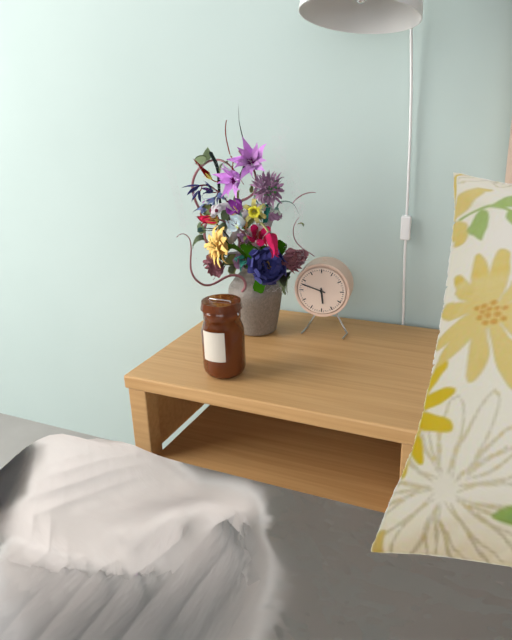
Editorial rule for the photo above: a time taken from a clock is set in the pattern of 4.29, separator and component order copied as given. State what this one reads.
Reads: 5.48
